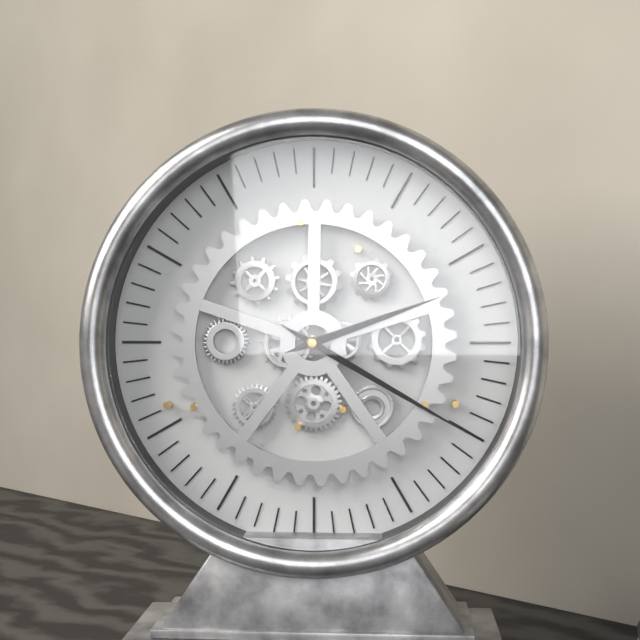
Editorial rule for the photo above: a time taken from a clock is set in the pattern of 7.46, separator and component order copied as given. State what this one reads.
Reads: 2.20
